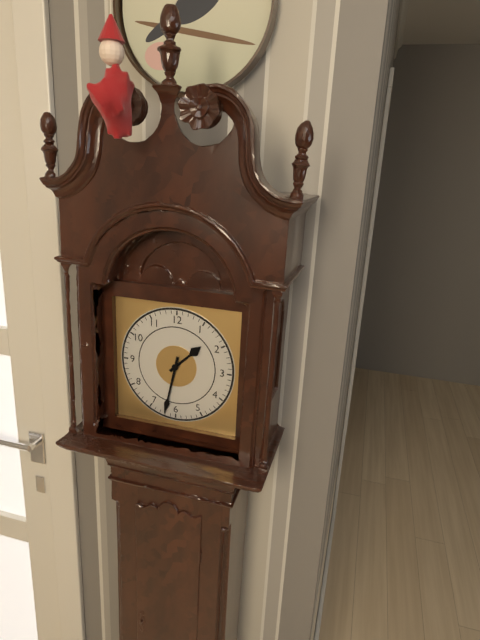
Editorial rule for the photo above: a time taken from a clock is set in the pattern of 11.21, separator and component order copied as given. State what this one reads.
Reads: 1.32
